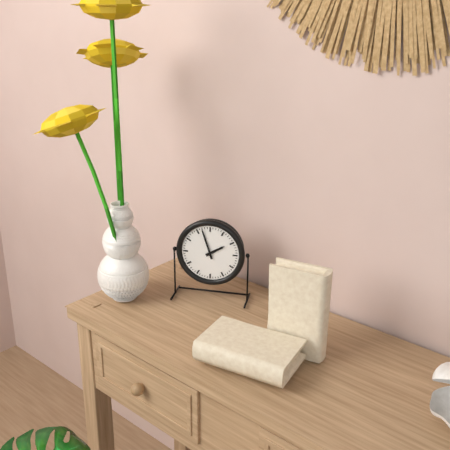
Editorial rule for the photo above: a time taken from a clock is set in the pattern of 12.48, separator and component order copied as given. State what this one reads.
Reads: 1.57
